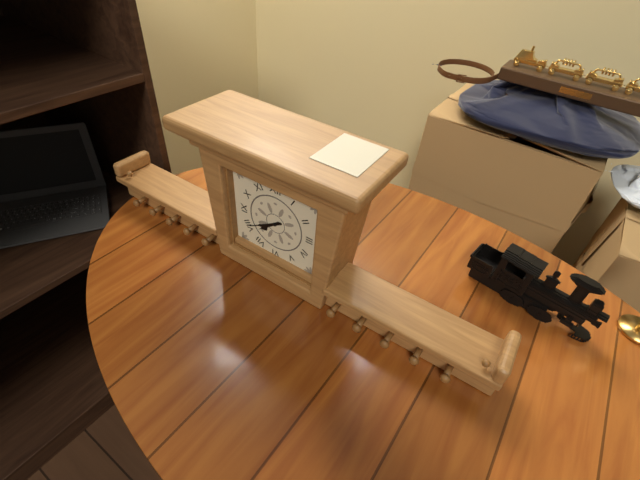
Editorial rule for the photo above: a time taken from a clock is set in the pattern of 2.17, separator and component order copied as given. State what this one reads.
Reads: 7.40
